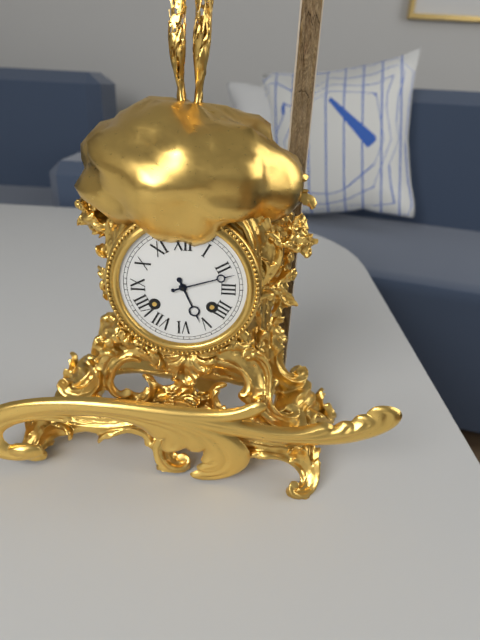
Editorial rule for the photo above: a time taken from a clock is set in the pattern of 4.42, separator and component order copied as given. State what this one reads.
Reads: 5.12
